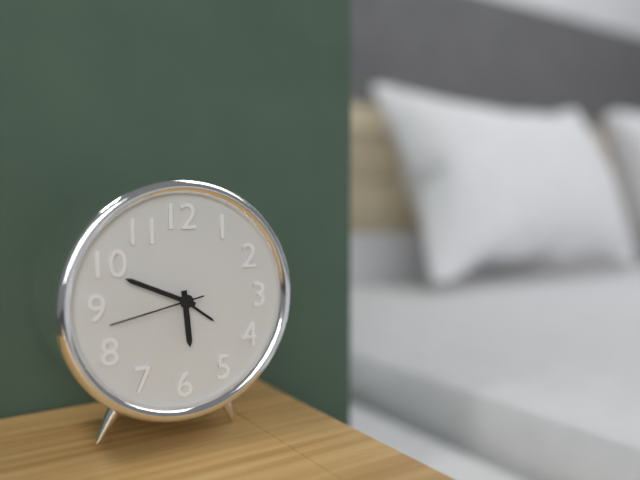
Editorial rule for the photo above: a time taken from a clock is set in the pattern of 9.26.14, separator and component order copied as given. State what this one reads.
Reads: 5.49.43
